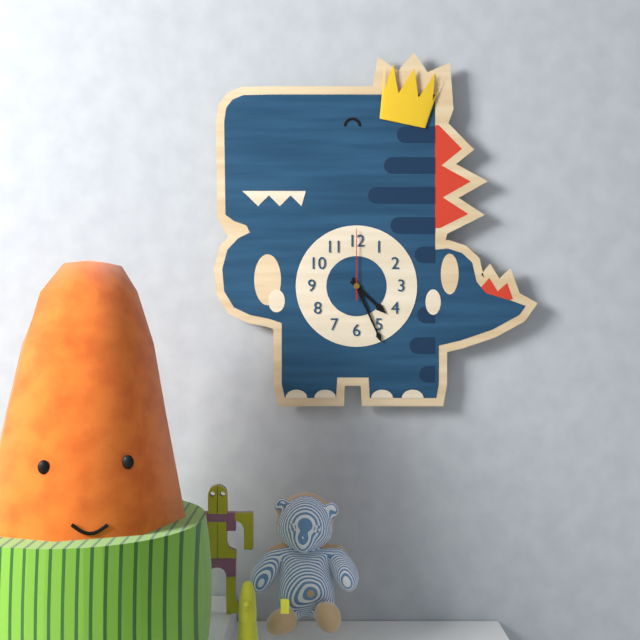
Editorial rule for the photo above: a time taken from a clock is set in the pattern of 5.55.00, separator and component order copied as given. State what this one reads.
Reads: 4.26.00
